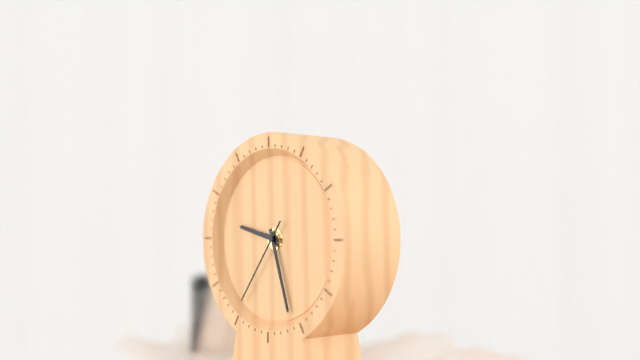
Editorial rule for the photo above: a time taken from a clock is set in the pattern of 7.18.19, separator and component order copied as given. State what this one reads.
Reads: 9.27.36
